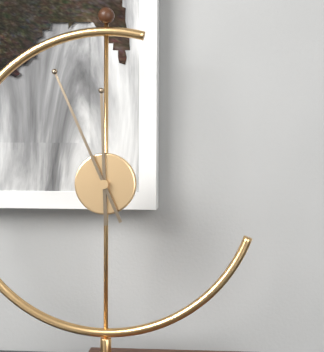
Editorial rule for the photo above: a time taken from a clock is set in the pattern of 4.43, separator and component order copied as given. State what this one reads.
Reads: 11.56
